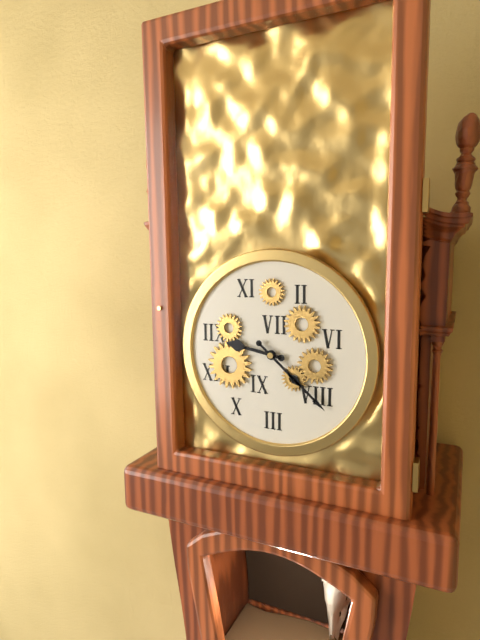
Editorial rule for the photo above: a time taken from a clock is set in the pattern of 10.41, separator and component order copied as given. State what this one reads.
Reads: 9.22
